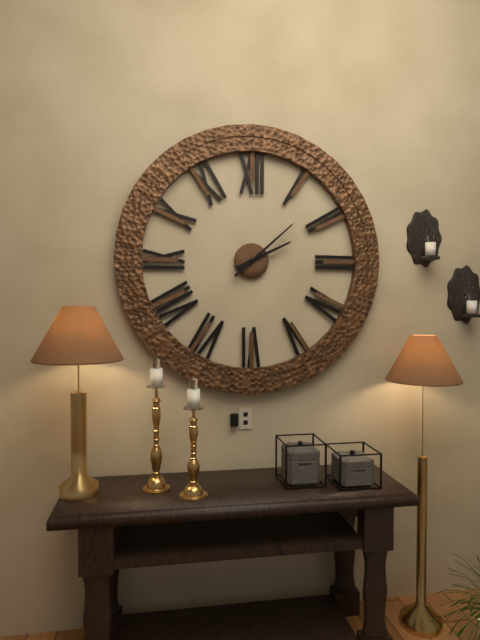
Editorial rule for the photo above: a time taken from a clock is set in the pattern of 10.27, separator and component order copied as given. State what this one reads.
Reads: 2.08
